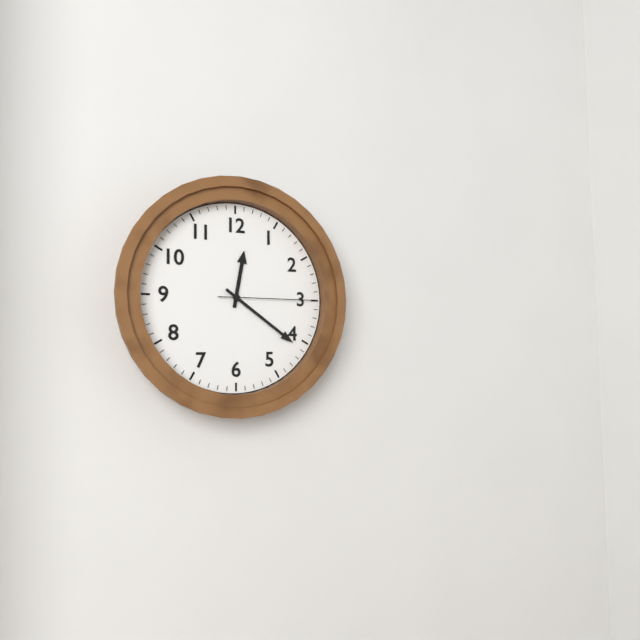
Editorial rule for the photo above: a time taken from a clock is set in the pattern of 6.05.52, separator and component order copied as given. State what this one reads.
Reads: 12.21.15
